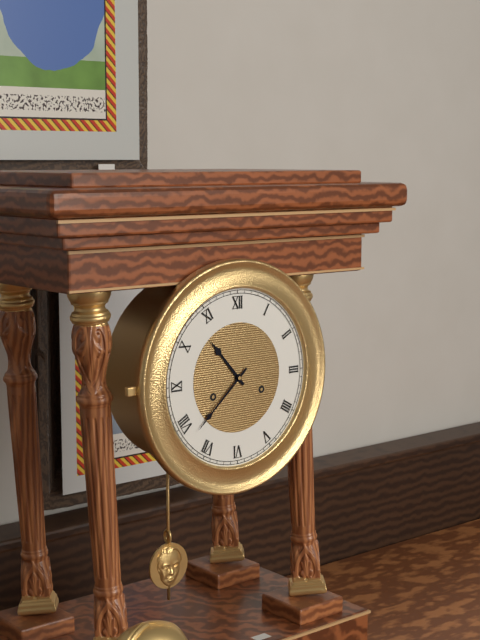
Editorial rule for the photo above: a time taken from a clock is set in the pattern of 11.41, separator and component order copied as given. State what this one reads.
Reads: 10.38
